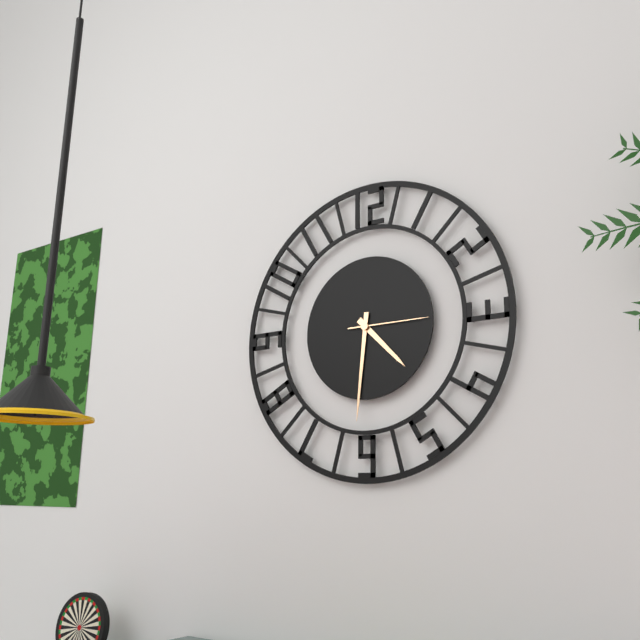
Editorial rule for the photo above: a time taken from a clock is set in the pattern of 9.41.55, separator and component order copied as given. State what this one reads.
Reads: 4.31.15
